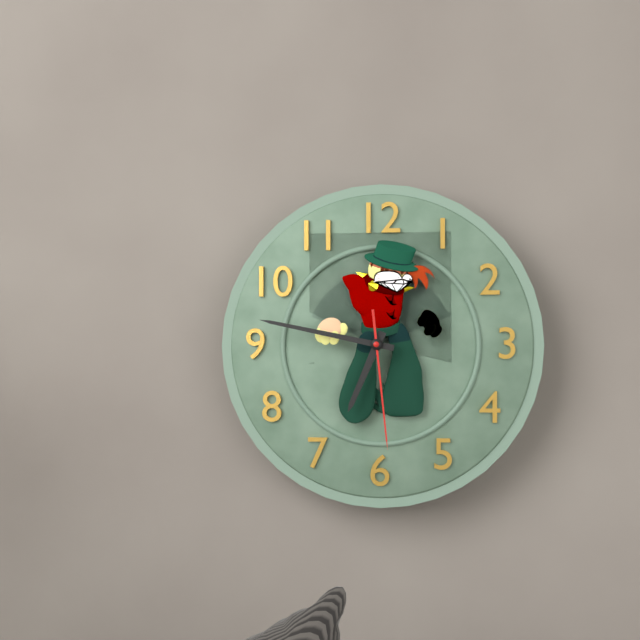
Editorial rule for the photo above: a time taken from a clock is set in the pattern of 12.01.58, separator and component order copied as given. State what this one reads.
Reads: 6.47.29
